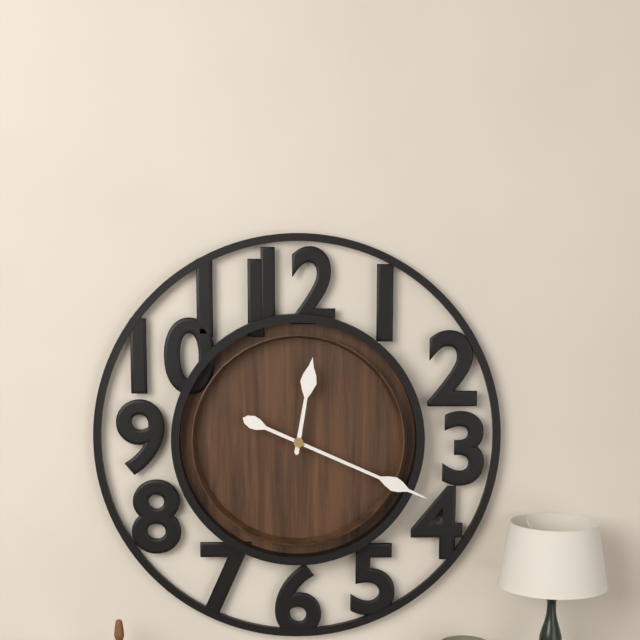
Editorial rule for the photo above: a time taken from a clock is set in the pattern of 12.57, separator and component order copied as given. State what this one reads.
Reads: 12.19
